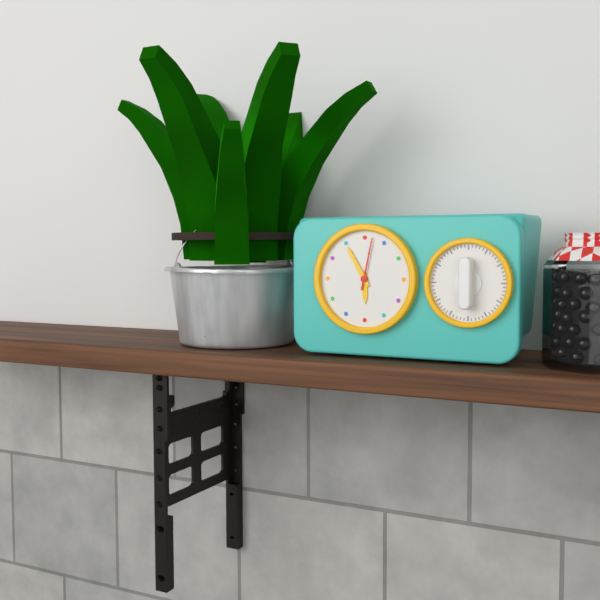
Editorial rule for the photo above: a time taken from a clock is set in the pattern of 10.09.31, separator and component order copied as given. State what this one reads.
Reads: 5.55.02
